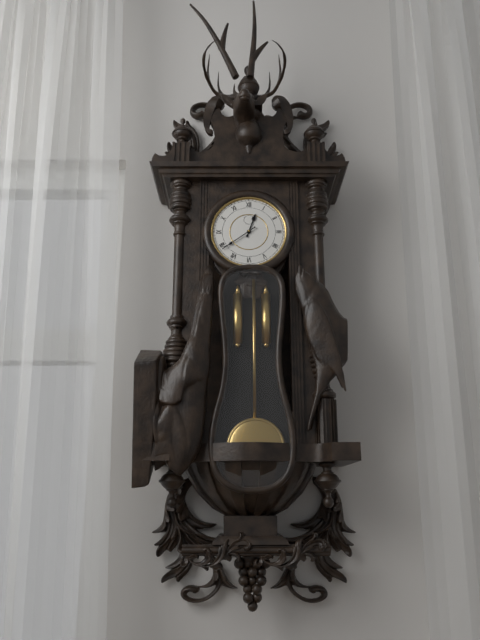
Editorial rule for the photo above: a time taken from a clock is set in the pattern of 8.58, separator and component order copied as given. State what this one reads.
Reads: 12.39
